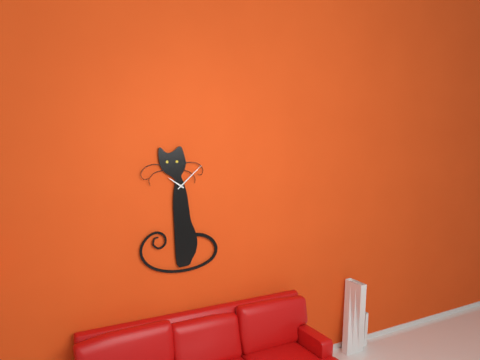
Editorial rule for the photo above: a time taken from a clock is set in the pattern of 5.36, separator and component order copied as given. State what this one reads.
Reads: 10.08
